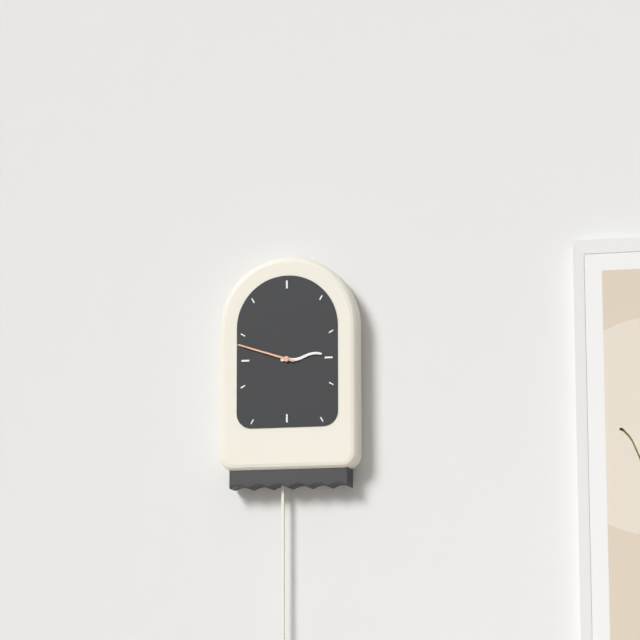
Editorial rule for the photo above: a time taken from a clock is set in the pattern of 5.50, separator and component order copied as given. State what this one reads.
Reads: 2.48
